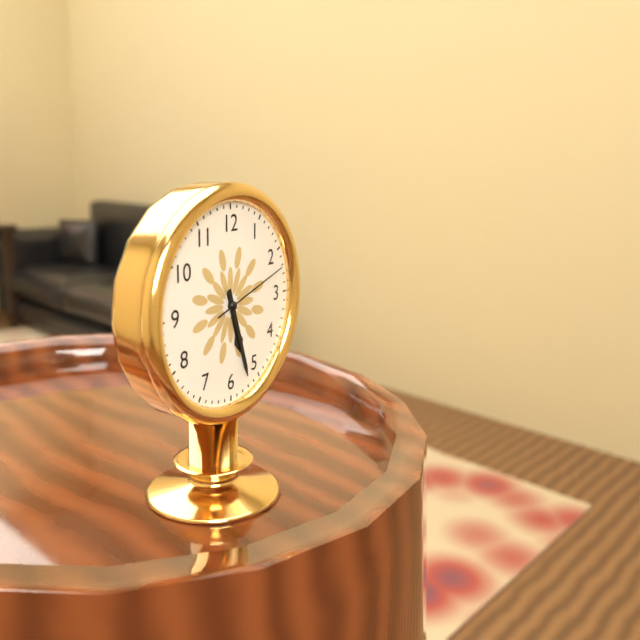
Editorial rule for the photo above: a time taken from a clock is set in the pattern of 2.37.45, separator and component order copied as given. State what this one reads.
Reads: 5.27.12
